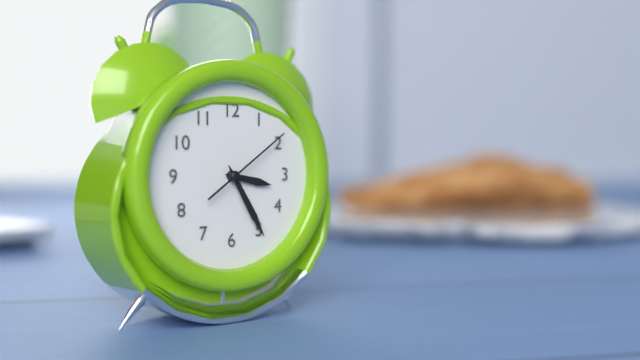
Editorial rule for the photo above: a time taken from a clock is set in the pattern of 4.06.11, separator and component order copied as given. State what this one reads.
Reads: 3.25.09
